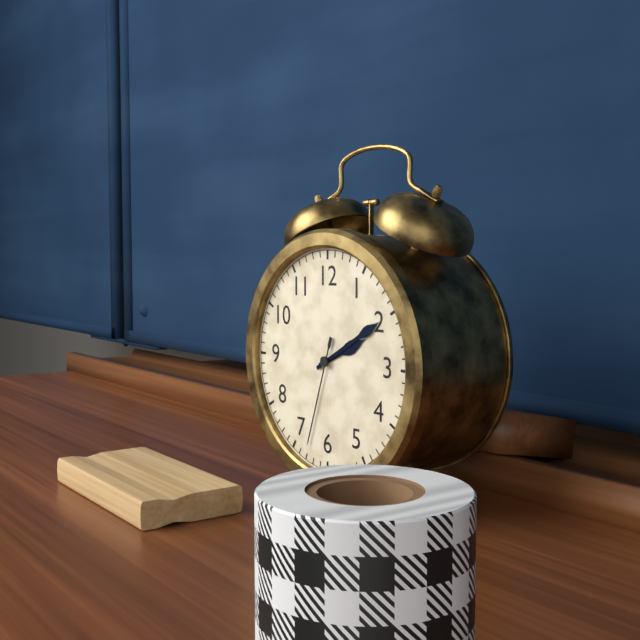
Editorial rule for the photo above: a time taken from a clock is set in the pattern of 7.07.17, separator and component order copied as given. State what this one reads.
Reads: 2.10.33
